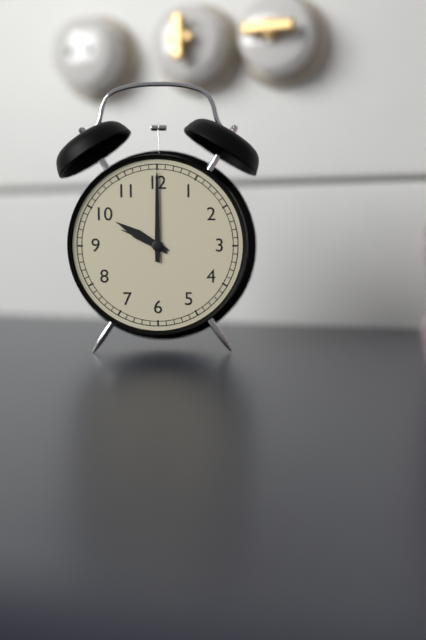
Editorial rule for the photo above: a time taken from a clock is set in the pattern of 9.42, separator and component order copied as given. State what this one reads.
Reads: 10.00
